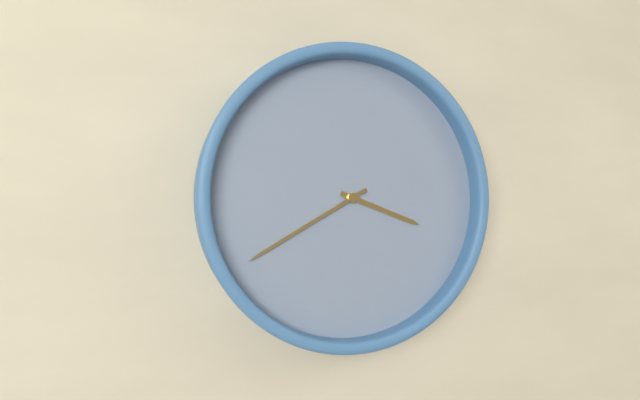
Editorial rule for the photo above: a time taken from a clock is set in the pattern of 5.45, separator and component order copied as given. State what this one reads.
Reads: 3.40
